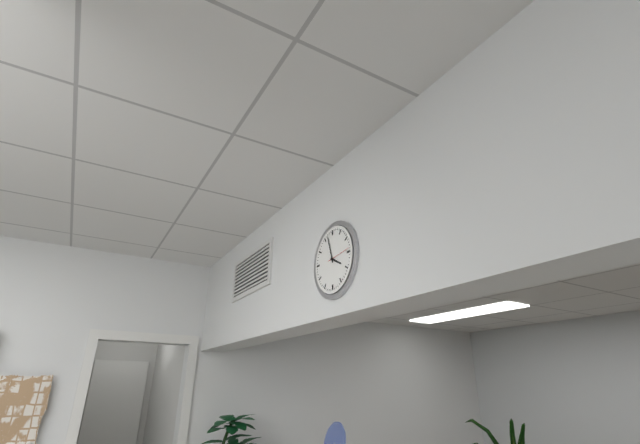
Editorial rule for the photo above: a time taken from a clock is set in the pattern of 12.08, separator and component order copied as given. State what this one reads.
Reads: 3.57
